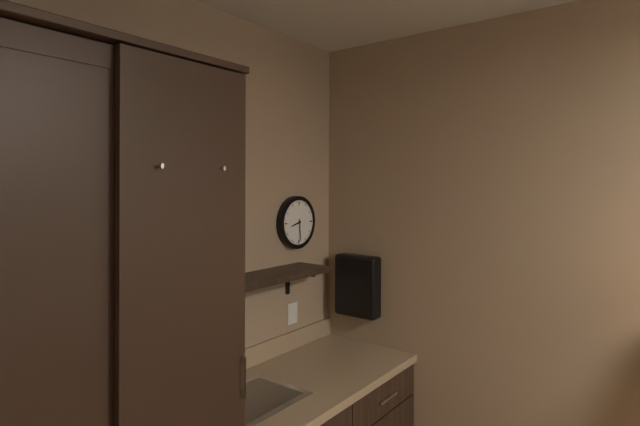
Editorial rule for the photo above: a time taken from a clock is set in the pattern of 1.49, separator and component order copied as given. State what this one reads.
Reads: 8.29
